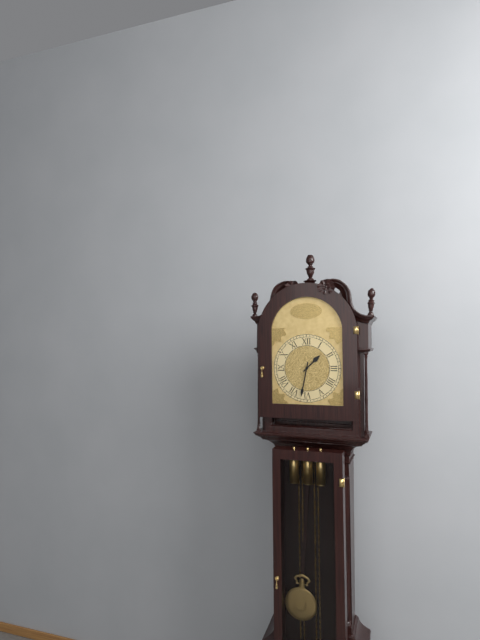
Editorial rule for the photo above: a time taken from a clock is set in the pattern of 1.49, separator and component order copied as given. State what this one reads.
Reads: 1.32
